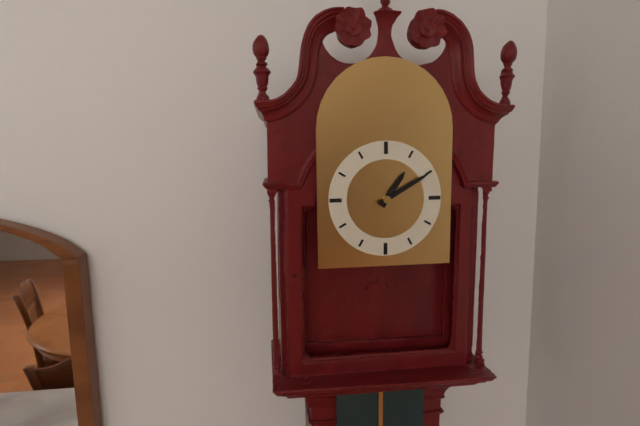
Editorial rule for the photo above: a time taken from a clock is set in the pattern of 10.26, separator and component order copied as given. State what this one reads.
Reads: 1.10
